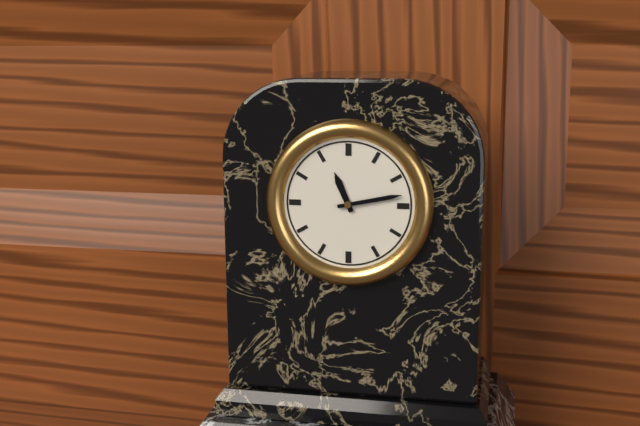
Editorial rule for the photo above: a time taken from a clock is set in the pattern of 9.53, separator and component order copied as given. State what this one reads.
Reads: 11.13
